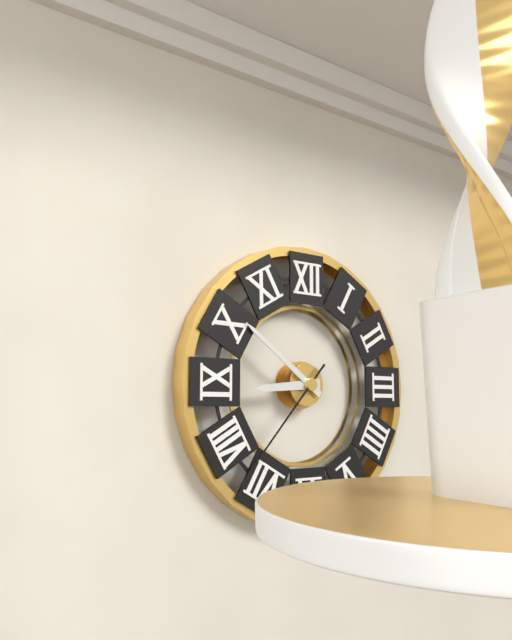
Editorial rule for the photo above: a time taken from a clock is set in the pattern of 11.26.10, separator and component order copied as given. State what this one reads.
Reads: 8.51.37
